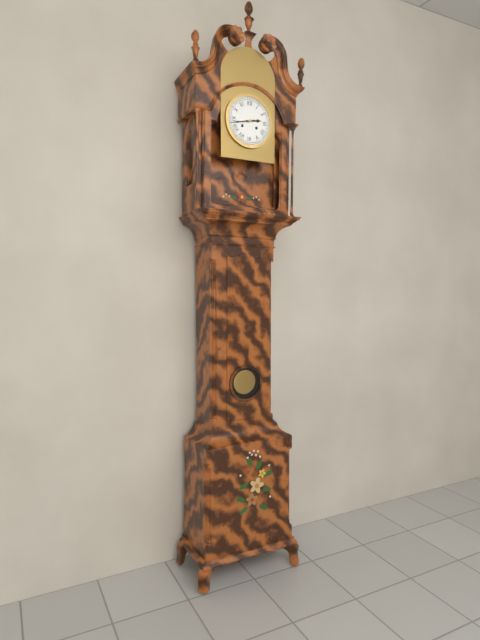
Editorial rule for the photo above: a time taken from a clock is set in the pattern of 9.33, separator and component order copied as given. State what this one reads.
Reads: 2.43
